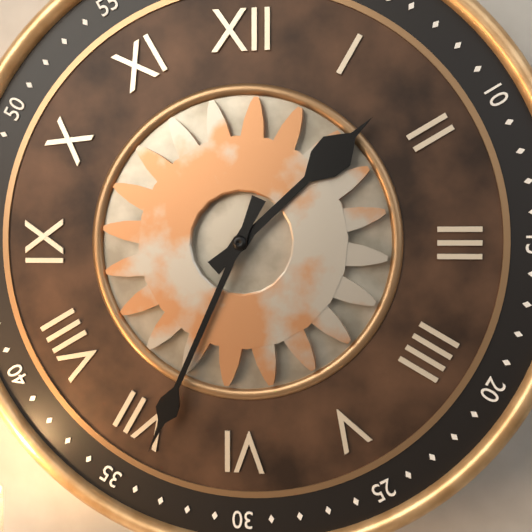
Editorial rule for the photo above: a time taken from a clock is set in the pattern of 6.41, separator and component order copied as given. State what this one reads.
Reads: 1.34
